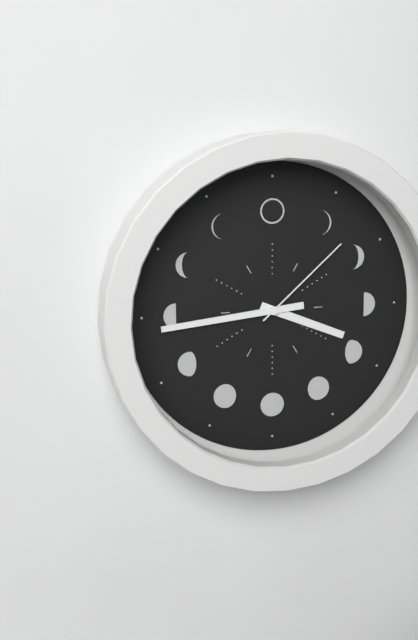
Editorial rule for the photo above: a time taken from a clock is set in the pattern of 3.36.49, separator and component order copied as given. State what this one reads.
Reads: 3.44.08
